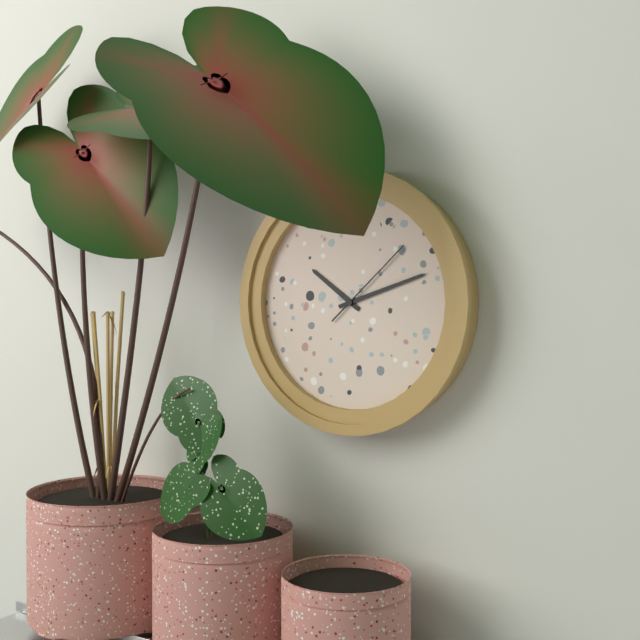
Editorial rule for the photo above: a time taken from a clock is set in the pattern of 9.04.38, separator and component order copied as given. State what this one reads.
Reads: 10.12.08
